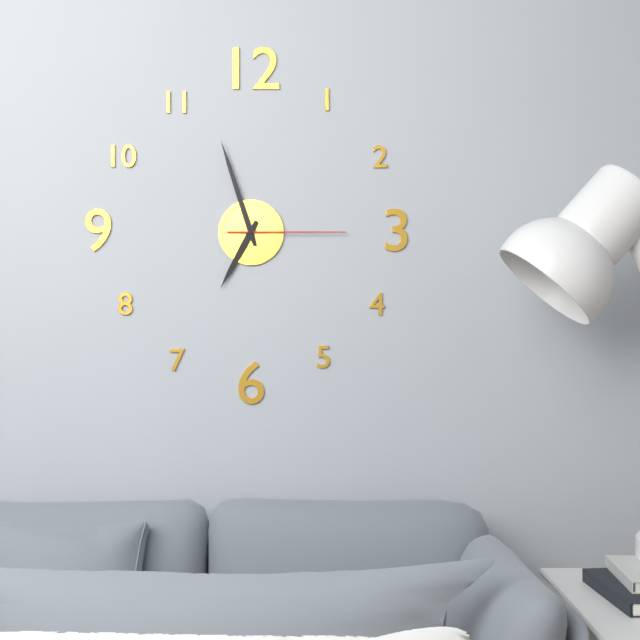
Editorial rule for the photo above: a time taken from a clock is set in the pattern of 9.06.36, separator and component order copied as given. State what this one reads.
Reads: 6.57.15
